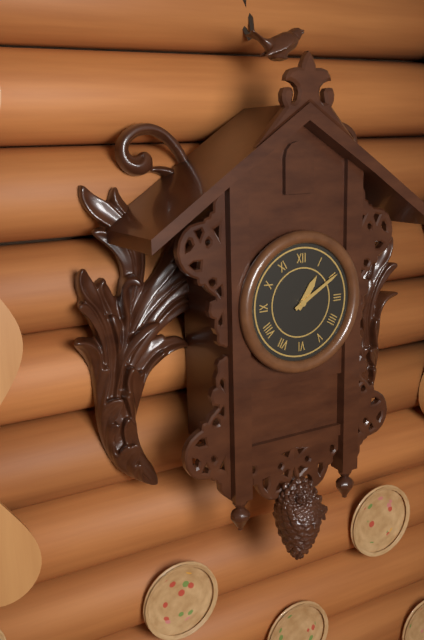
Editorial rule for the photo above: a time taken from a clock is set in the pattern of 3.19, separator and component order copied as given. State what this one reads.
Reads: 1.10
